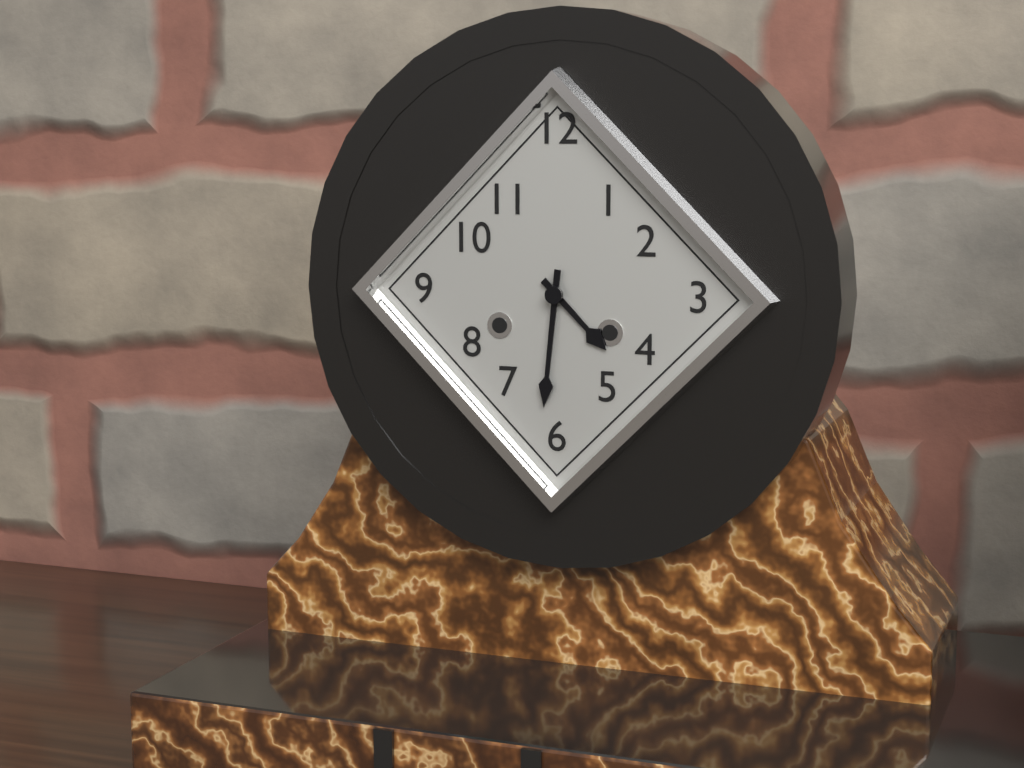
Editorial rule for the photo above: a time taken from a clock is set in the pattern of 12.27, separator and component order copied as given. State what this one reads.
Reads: 4.31
